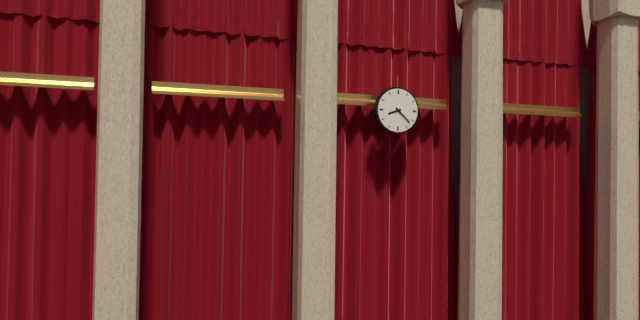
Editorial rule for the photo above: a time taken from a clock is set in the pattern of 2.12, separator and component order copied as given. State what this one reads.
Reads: 8.22
